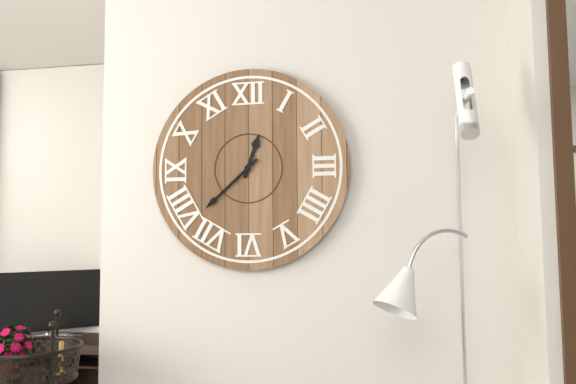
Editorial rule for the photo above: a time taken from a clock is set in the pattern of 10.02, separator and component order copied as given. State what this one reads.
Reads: 12.38
